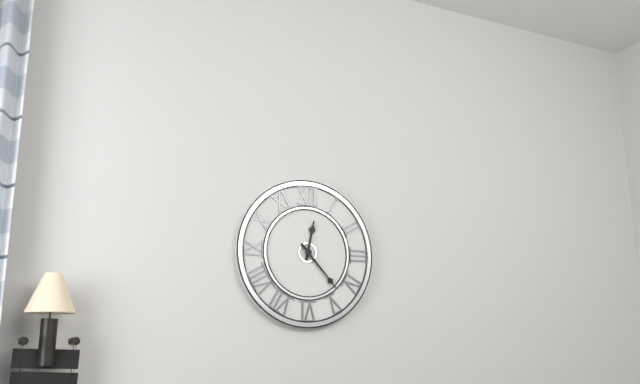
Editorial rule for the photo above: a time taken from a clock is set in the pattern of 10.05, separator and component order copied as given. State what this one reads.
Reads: 12.23
